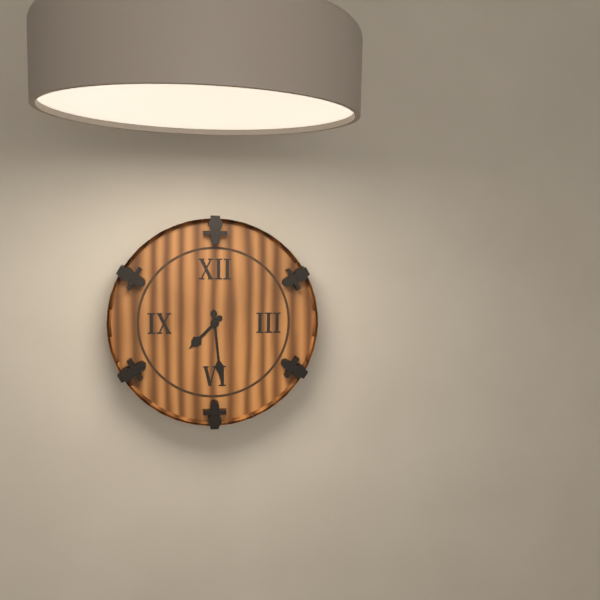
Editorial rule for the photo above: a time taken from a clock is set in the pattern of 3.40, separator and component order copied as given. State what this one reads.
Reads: 7.29
